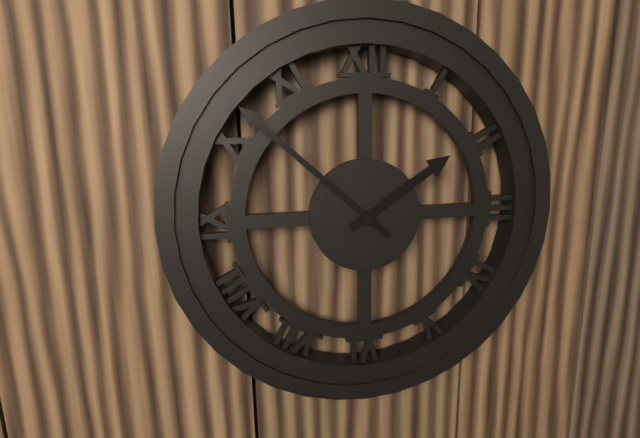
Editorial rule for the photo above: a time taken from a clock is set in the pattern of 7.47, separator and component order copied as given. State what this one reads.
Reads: 1.52
